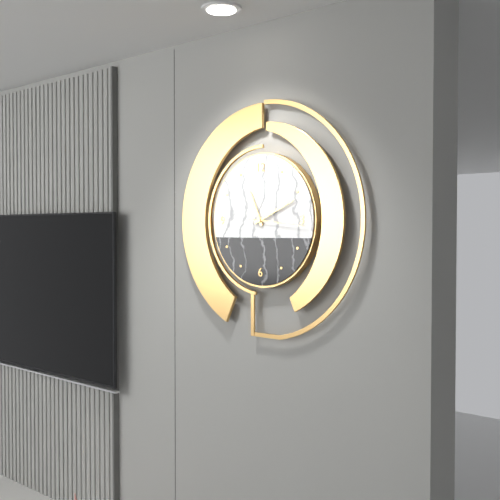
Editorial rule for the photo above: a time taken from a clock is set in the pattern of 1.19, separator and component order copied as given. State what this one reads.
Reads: 11.11
